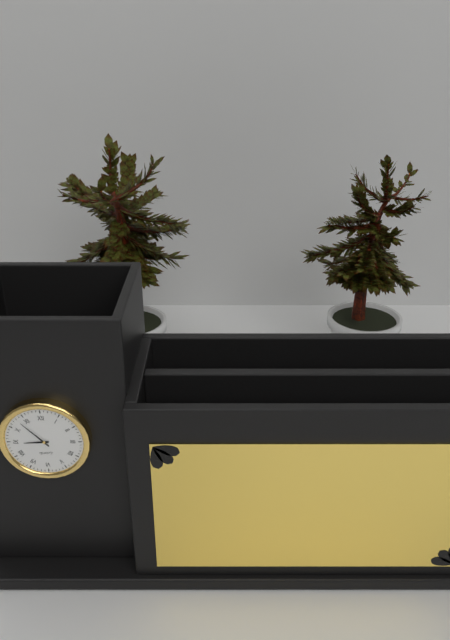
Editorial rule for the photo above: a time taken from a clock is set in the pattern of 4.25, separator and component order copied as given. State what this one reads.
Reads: 8.53
